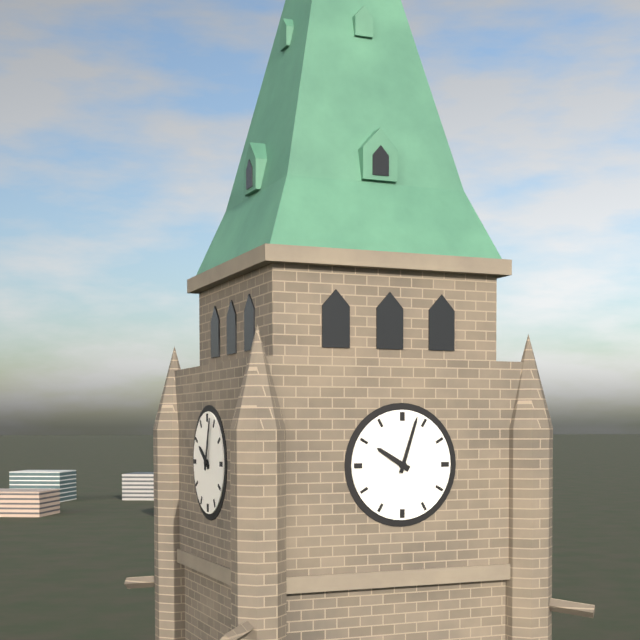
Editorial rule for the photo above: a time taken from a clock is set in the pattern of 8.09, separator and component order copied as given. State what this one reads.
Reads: 10.03
